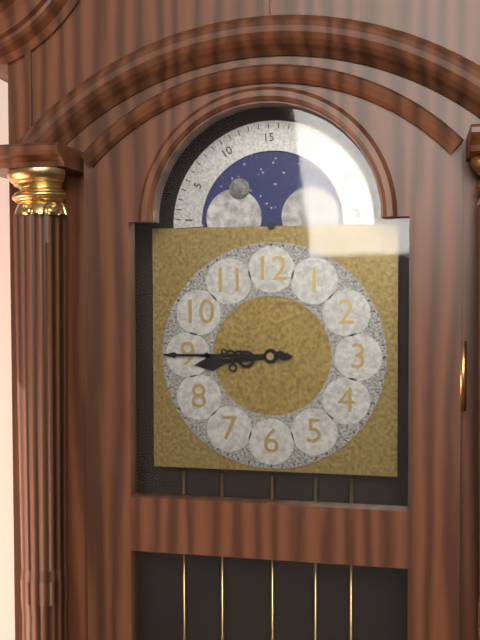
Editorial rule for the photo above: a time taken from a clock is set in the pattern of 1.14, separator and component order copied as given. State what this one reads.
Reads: 8.45
